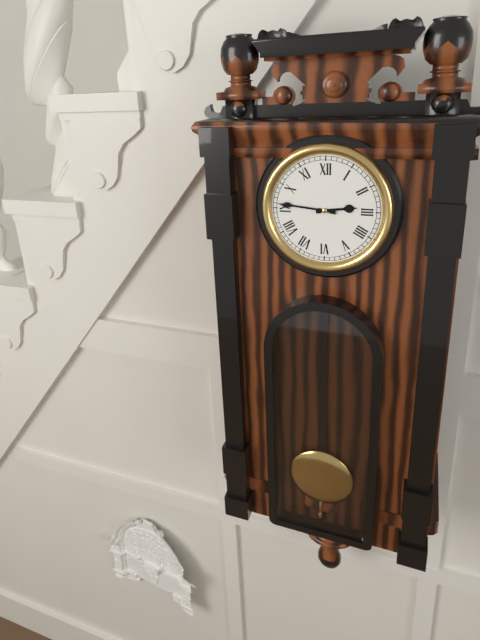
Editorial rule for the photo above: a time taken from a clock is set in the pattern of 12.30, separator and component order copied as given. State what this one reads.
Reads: 2.46
